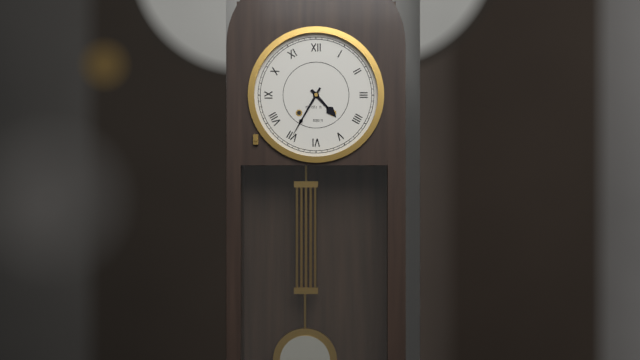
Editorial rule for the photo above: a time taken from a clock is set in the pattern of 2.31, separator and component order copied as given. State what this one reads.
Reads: 4.35
